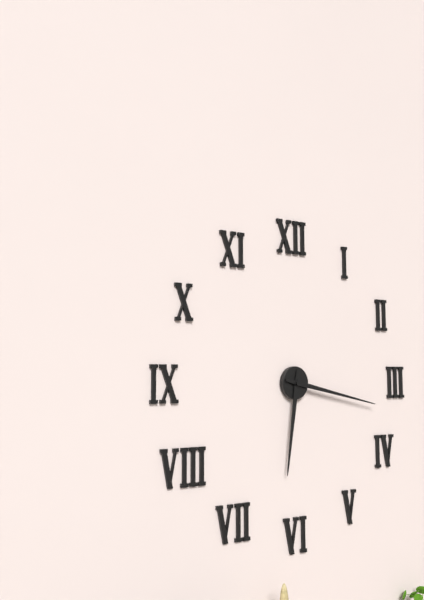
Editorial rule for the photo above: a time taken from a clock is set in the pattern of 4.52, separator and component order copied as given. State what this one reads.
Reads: 6.17
